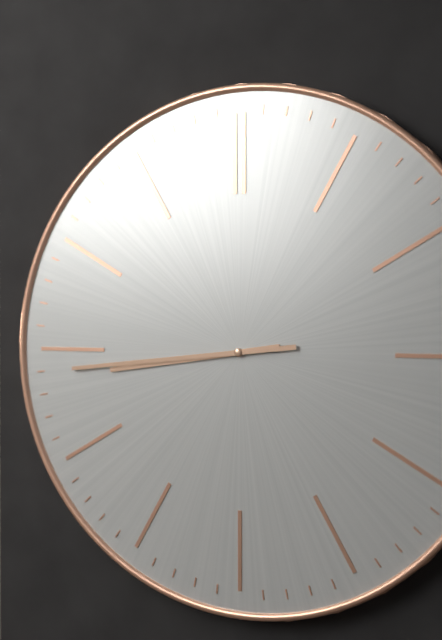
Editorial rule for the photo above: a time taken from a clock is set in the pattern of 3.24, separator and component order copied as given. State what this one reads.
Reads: 8.44
